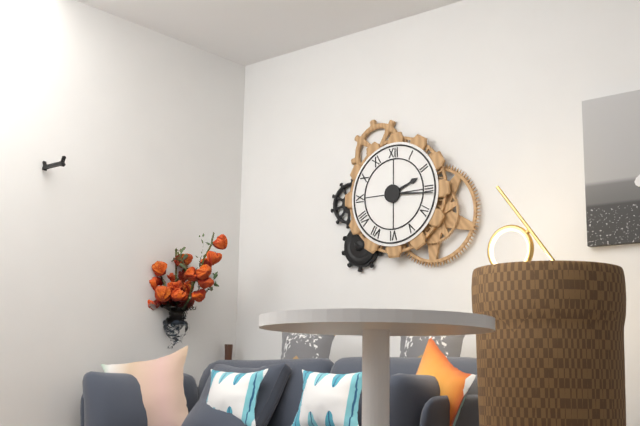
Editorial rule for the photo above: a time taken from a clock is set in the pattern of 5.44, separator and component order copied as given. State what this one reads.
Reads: 2.16
